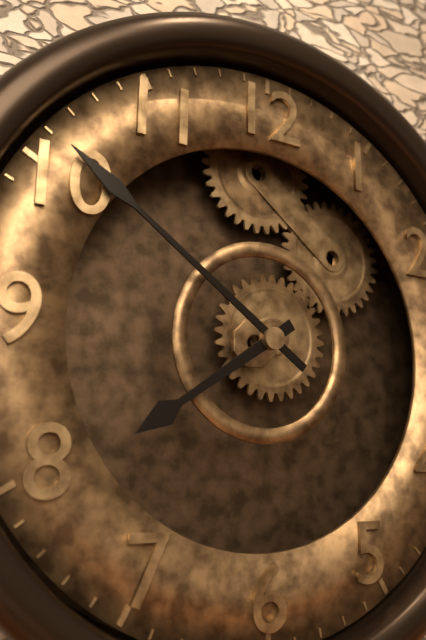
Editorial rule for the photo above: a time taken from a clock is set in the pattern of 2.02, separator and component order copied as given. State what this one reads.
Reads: 7.51
